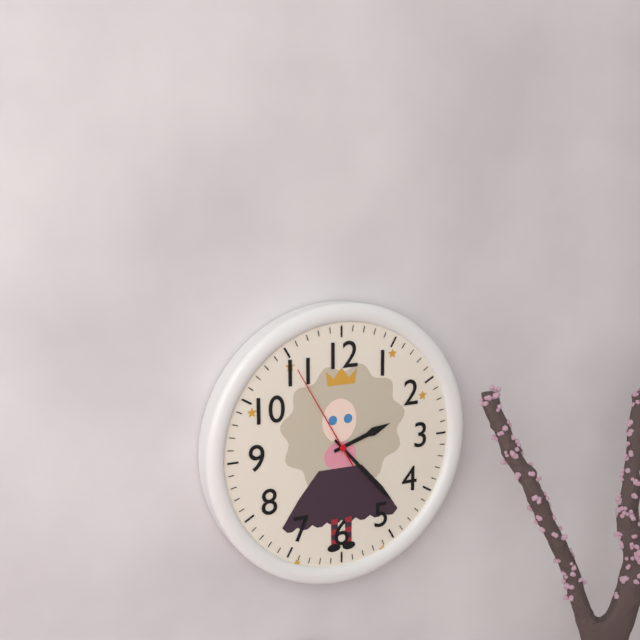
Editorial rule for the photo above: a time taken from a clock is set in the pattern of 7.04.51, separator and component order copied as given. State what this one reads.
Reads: 2.23.55
